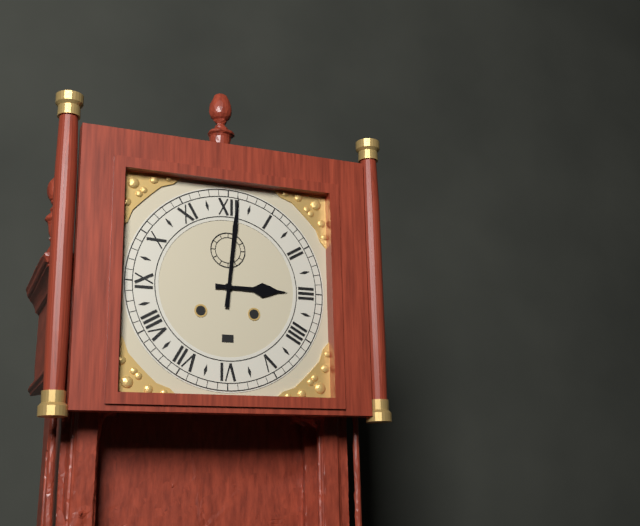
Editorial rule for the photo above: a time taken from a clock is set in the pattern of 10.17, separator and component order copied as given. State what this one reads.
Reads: 3.01
